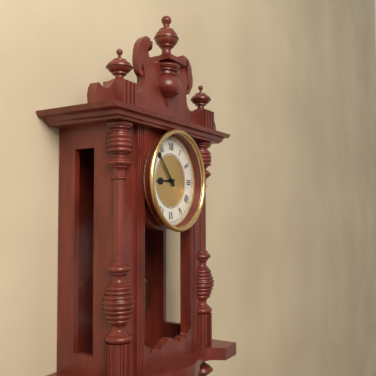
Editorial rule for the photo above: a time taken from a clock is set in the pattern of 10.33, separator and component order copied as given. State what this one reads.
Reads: 8.53
